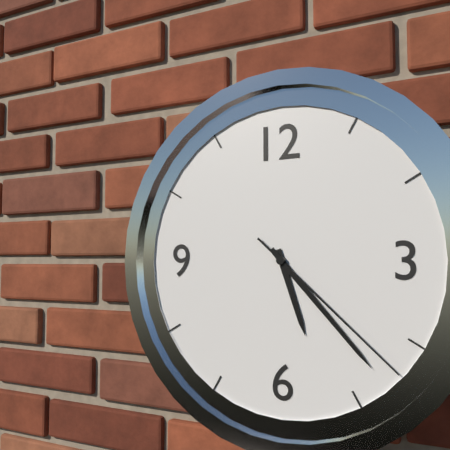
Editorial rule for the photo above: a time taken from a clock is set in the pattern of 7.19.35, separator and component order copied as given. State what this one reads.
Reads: 5.23.22
